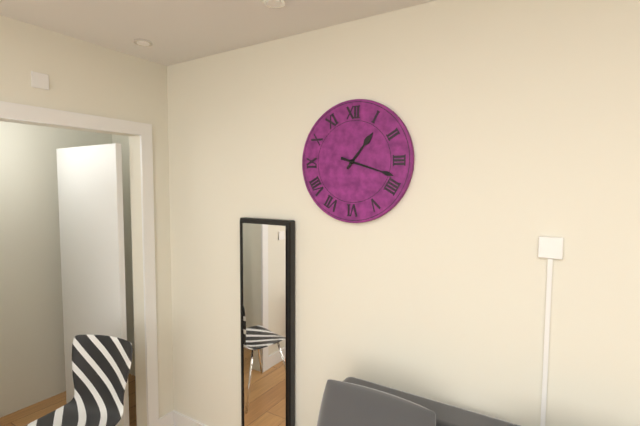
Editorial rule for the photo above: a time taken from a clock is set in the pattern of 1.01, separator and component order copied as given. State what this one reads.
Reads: 1.18
